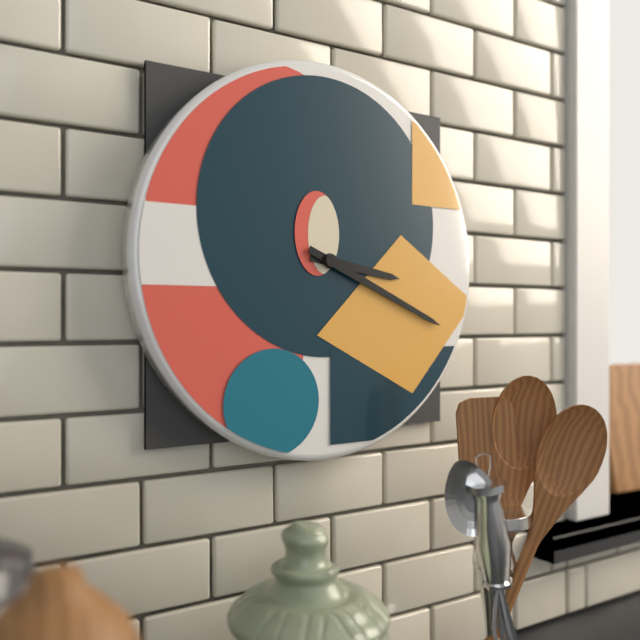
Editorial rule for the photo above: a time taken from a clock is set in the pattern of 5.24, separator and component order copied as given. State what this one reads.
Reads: 3.19
